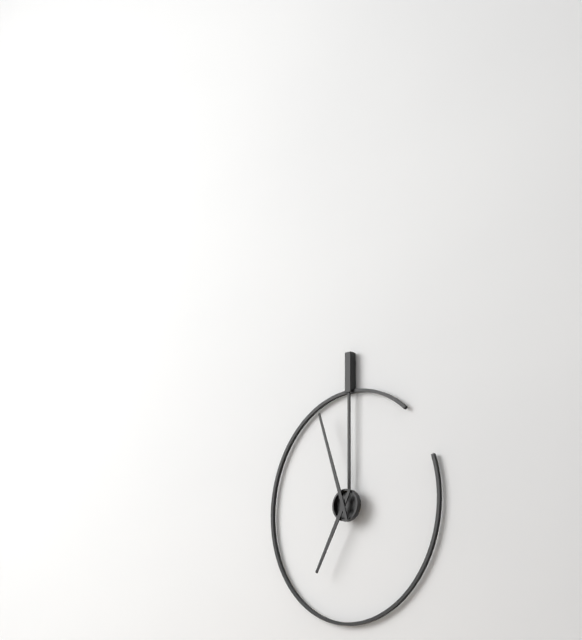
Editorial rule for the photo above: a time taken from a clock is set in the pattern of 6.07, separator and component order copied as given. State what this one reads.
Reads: 6.57
